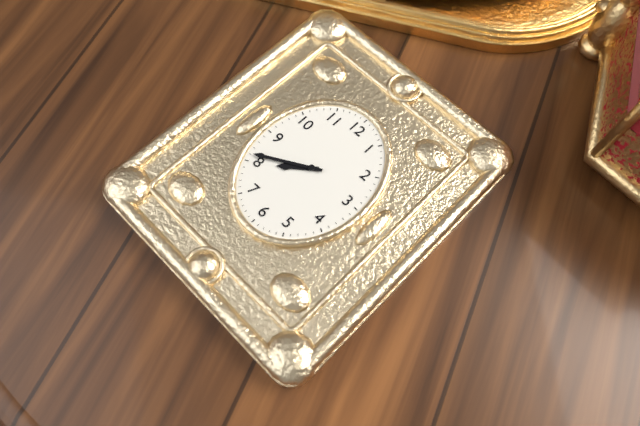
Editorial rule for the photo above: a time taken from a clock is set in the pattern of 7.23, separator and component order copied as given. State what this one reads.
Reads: 7.40
